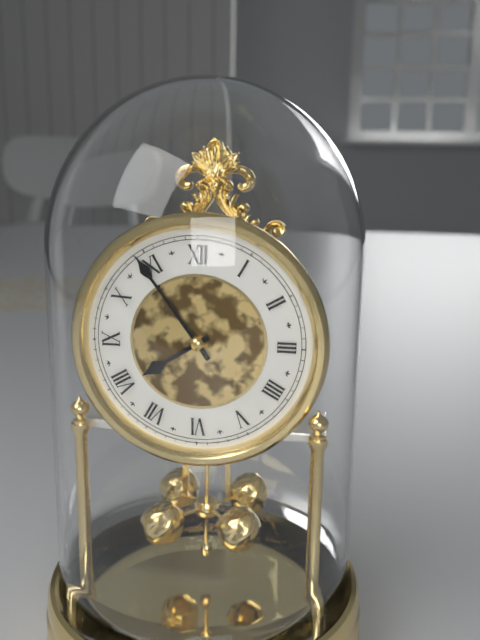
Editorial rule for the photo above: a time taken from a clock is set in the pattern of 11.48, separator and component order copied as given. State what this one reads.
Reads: 7.54
